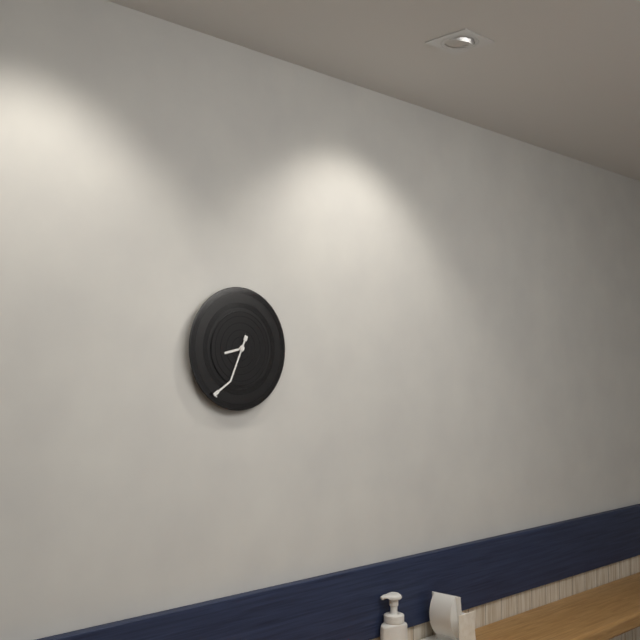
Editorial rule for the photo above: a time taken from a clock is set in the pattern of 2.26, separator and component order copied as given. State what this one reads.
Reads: 8.34
